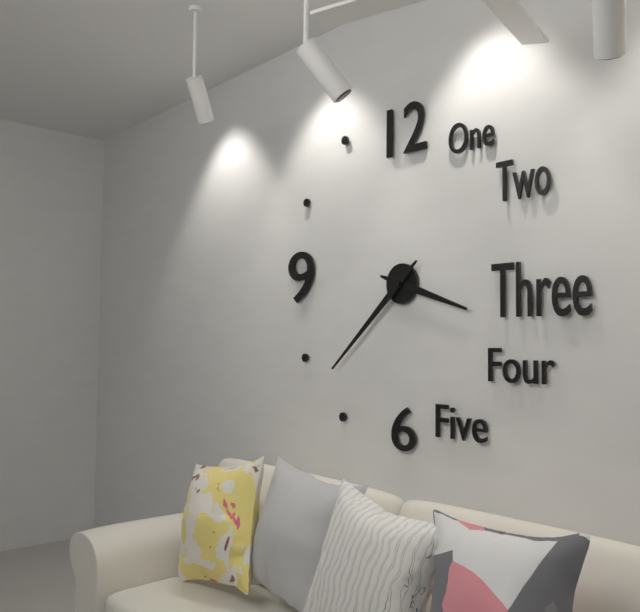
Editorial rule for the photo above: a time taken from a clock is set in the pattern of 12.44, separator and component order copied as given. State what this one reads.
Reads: 3.38
